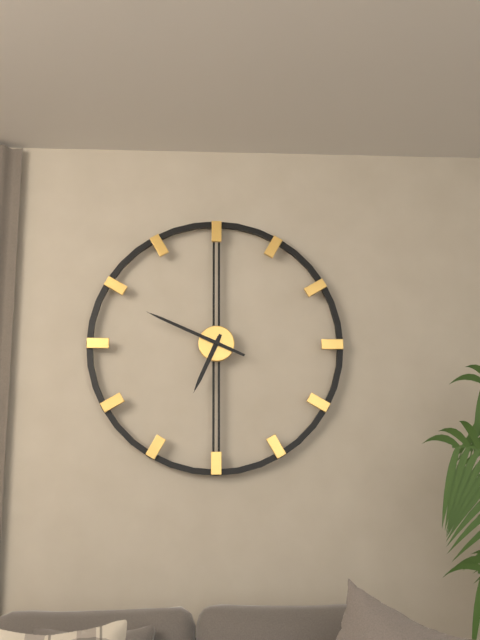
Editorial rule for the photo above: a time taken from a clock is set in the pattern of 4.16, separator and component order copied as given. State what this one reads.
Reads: 6.49
